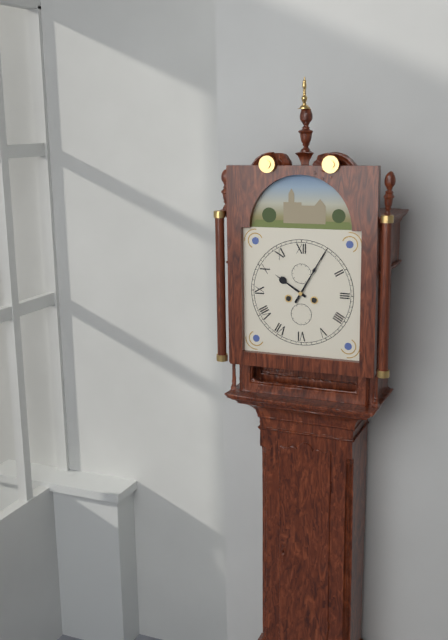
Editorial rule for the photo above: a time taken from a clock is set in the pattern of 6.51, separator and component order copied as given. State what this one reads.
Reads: 10.05
